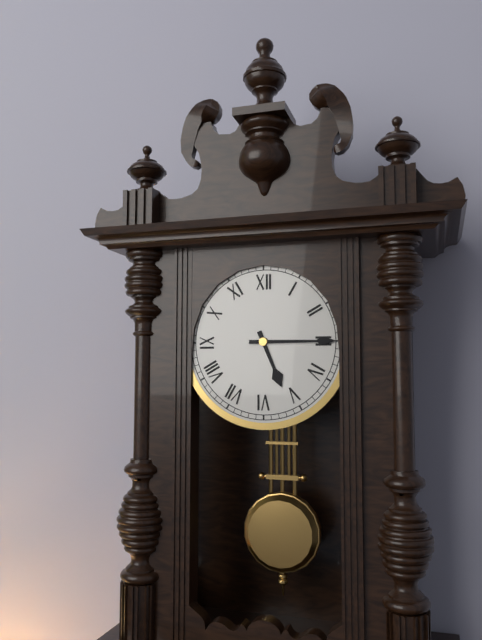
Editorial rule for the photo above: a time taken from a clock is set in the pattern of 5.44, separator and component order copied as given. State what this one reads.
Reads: 5.15
